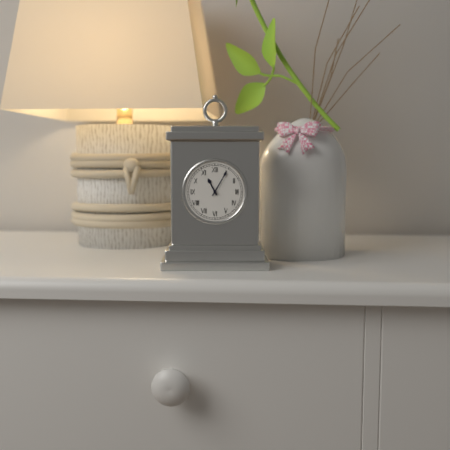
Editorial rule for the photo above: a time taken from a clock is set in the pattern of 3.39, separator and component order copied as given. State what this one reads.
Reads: 11.05
